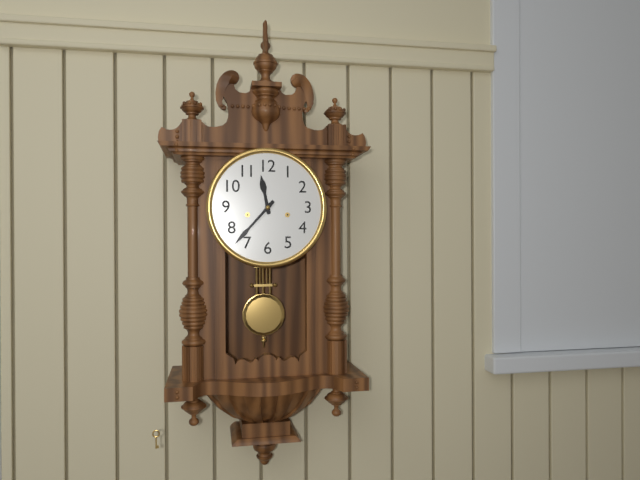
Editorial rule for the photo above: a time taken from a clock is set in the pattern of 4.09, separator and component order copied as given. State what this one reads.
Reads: 11.37
